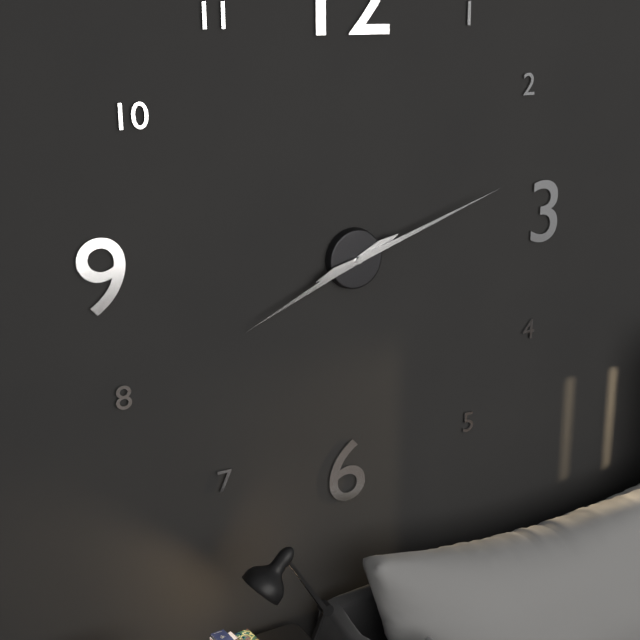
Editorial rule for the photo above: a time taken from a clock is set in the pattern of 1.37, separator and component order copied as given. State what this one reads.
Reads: 8.12
